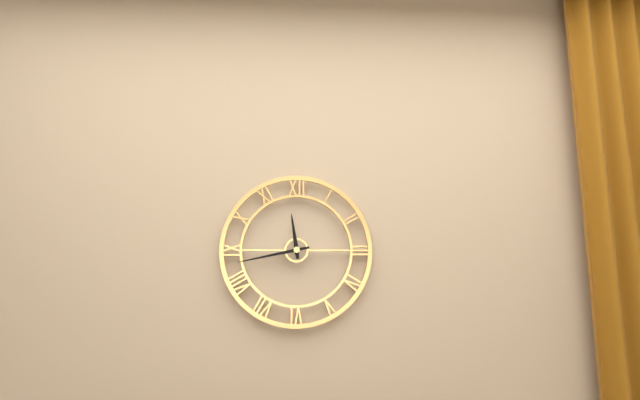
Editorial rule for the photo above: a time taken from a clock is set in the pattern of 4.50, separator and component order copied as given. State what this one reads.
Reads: 11.43
